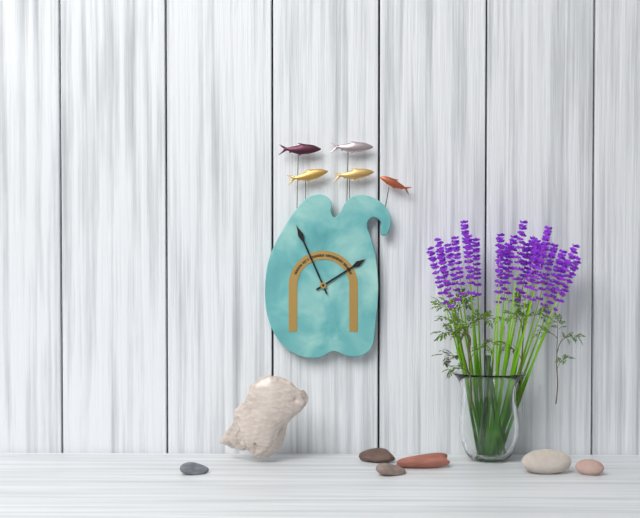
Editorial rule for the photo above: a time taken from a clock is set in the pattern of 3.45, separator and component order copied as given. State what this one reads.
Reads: 1.56
